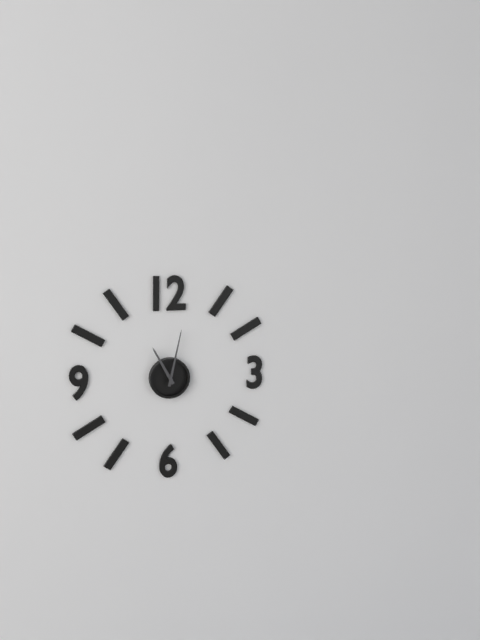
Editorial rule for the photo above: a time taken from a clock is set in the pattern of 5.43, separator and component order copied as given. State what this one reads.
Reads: 11.02
